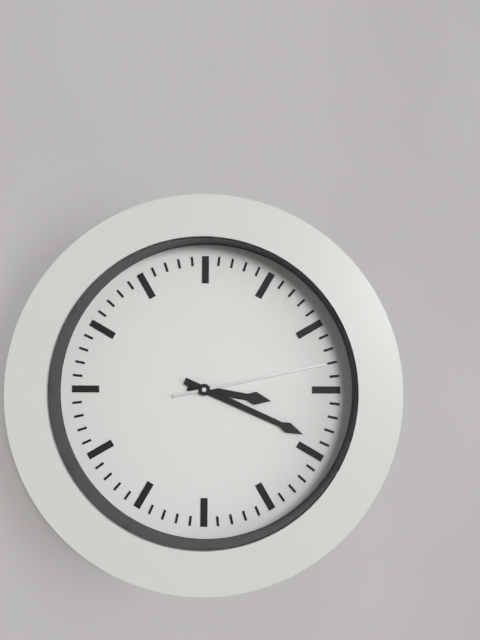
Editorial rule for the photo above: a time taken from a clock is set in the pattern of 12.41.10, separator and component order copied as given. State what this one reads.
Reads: 3.19.13
